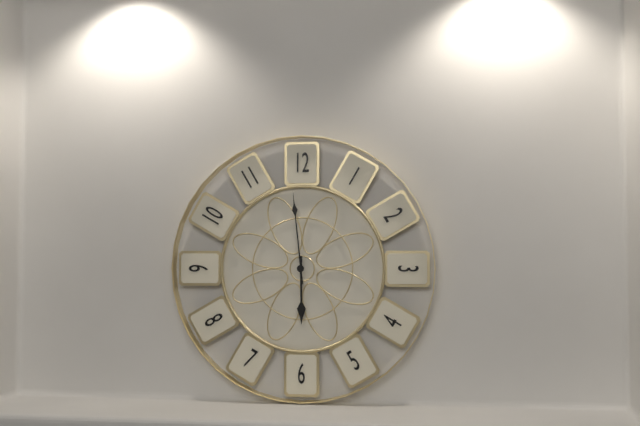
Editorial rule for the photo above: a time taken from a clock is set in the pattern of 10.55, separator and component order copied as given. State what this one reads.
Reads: 5.59
